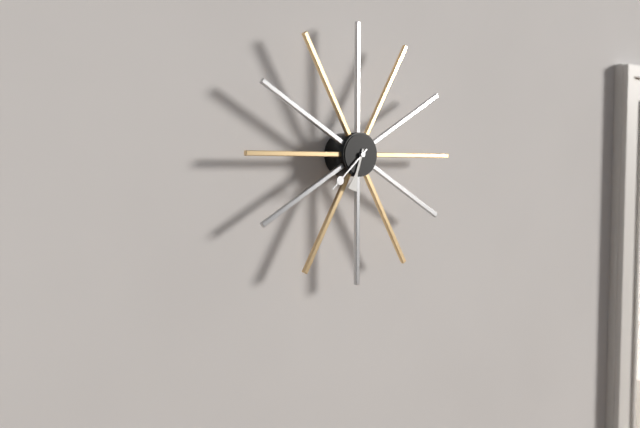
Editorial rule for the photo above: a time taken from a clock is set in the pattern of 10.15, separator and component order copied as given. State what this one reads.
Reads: 6.38
